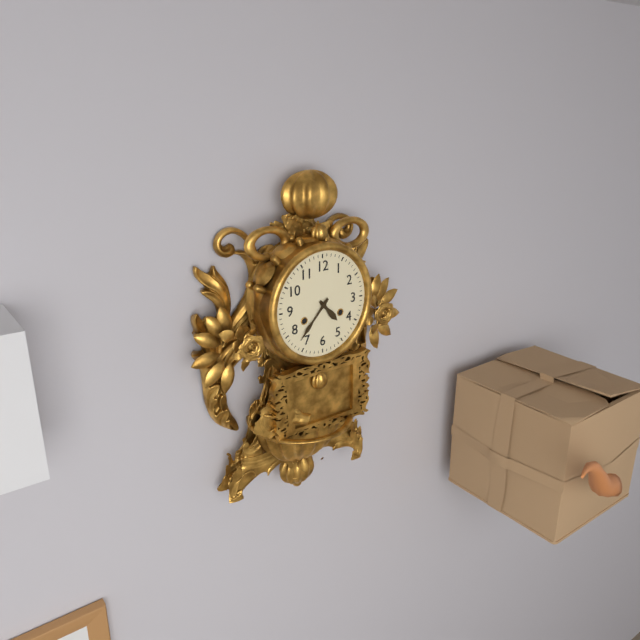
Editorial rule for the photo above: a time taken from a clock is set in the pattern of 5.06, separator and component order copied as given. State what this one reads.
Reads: 4.37
